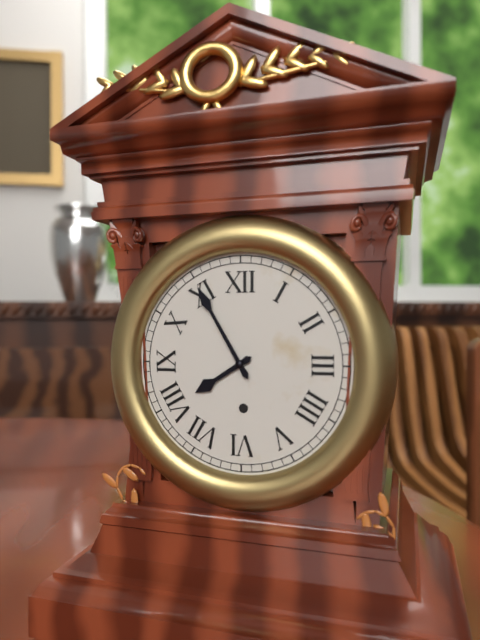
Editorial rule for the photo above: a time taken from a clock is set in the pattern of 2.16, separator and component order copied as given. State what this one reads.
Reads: 7.55
